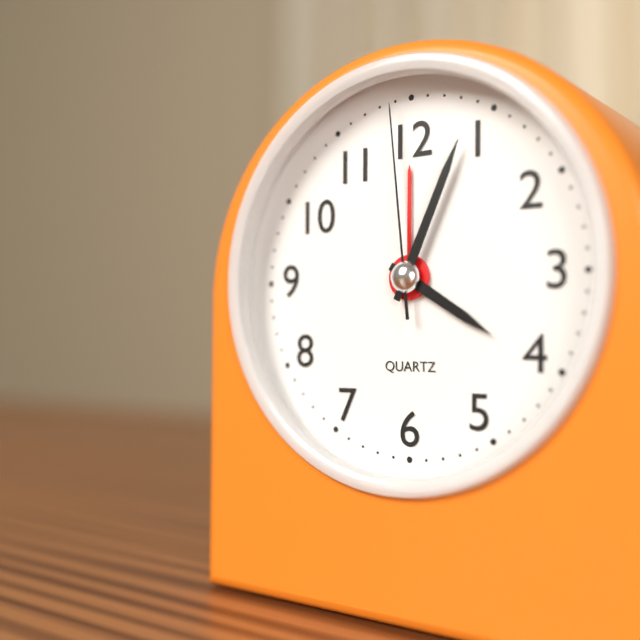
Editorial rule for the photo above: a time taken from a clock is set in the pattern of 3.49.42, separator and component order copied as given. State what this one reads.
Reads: 4.04.59
